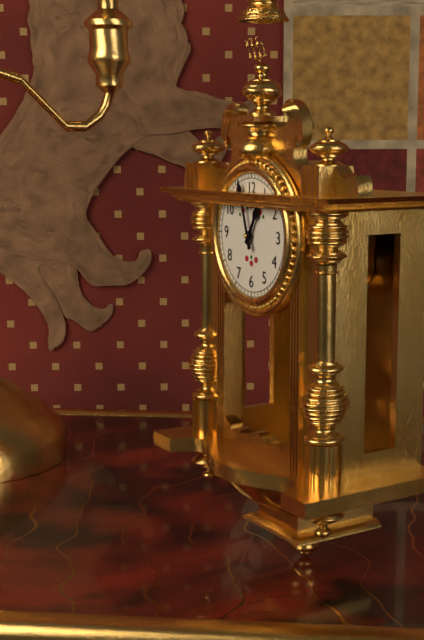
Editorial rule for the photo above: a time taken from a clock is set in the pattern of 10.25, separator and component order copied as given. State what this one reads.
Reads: 12.57
